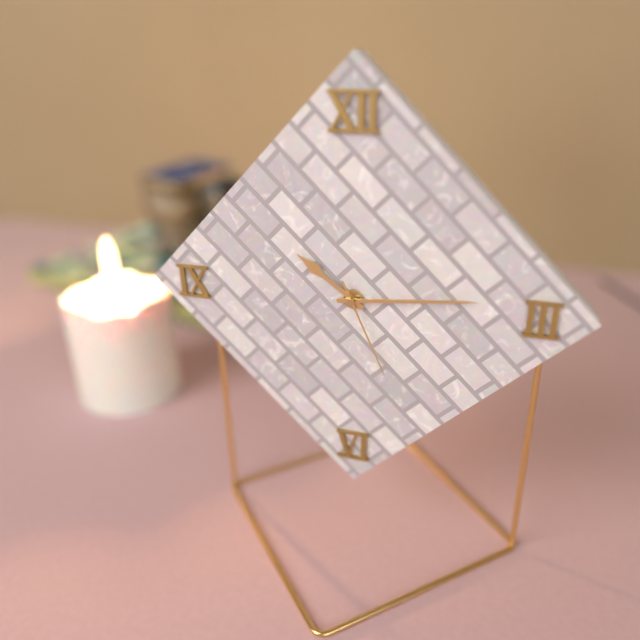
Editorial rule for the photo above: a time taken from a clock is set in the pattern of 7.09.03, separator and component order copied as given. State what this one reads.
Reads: 10.14.26
